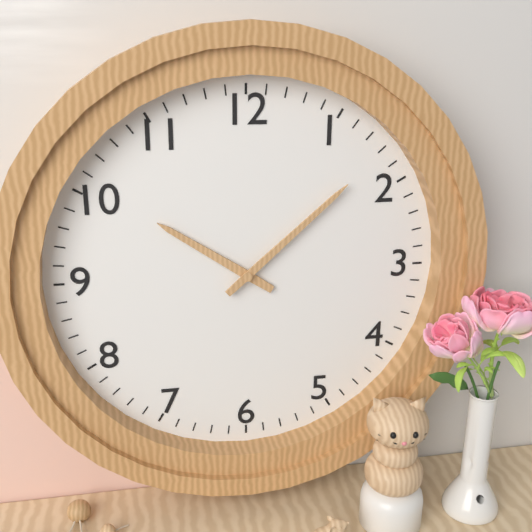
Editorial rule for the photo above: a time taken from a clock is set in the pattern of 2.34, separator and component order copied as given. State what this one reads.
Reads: 10.08
